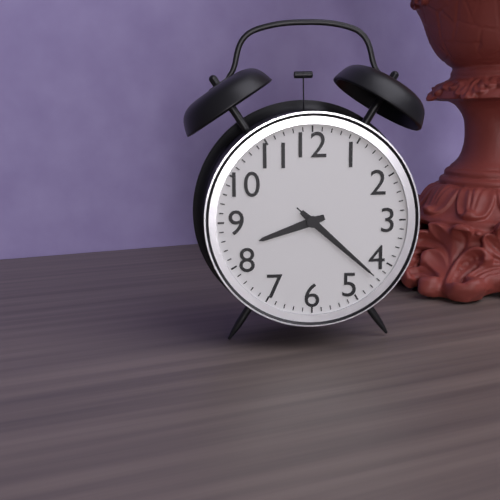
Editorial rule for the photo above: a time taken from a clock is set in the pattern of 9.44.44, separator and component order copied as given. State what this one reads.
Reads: 8.22.22
